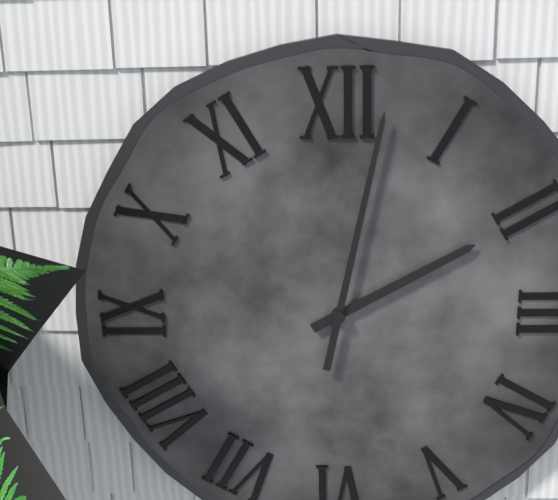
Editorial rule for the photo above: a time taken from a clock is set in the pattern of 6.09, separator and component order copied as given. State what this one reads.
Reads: 2.02
